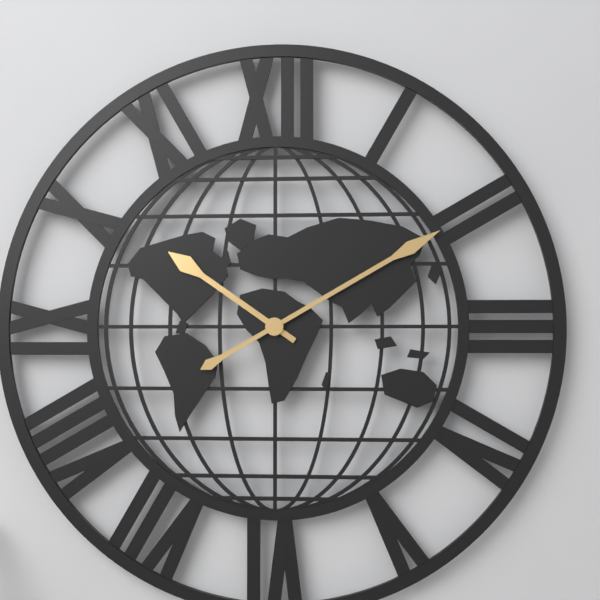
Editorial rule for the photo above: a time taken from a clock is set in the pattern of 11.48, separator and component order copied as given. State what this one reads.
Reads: 10.10
